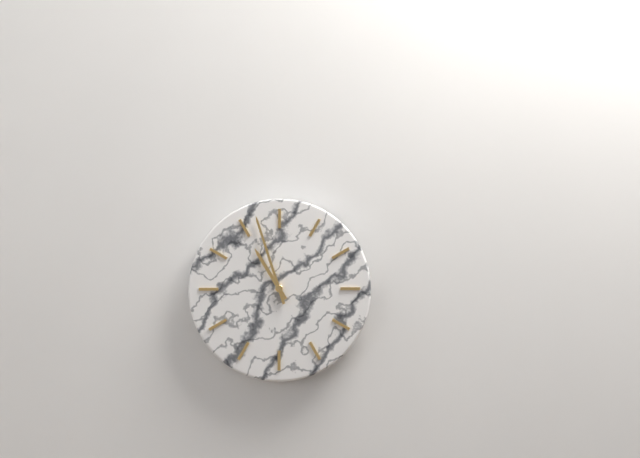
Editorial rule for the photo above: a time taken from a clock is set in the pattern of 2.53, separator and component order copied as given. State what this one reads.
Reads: 10.57
